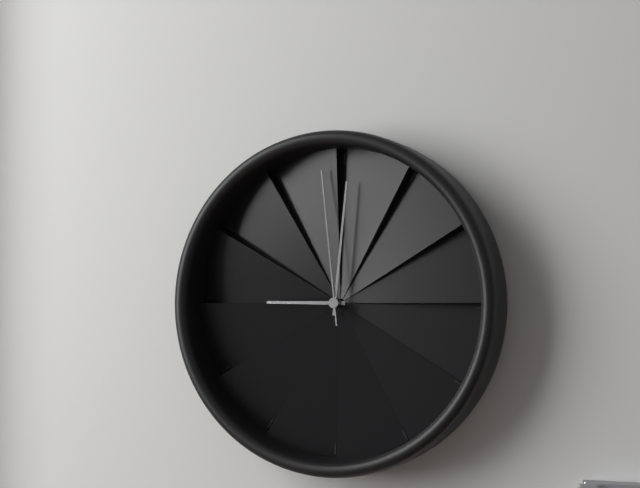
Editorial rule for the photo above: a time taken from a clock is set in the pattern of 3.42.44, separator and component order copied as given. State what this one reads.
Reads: 9.01.59
